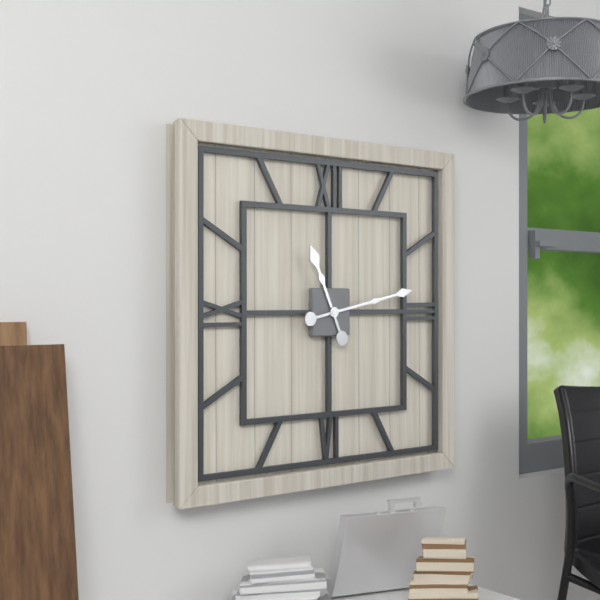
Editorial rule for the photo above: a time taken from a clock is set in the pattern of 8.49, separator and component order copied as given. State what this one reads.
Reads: 11.13
